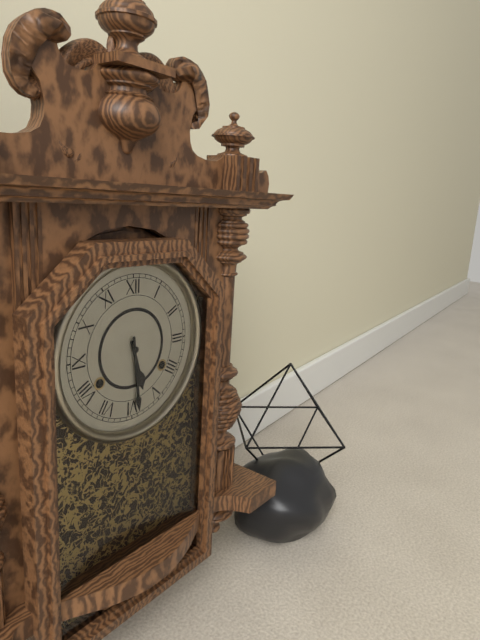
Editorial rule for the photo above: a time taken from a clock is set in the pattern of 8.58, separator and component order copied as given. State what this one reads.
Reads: 5.29
